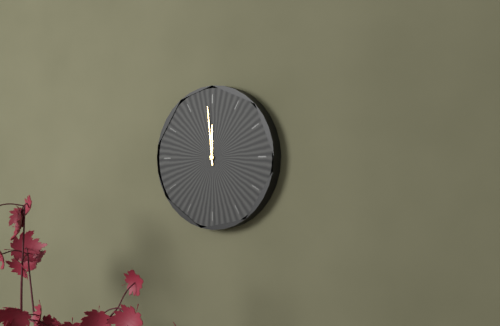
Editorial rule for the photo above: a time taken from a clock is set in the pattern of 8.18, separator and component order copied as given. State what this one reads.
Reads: 11.59
